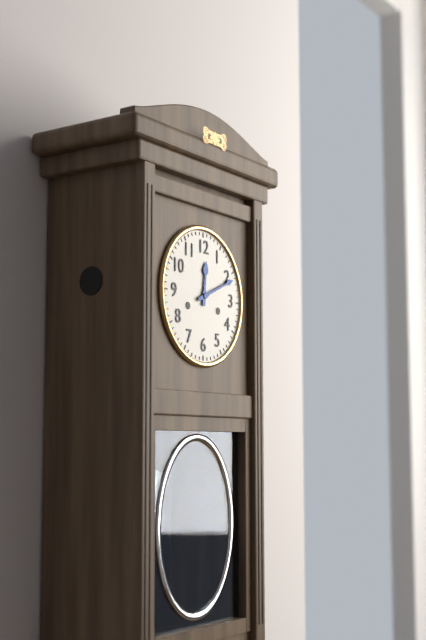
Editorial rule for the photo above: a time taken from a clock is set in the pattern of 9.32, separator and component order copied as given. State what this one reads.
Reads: 12.11
